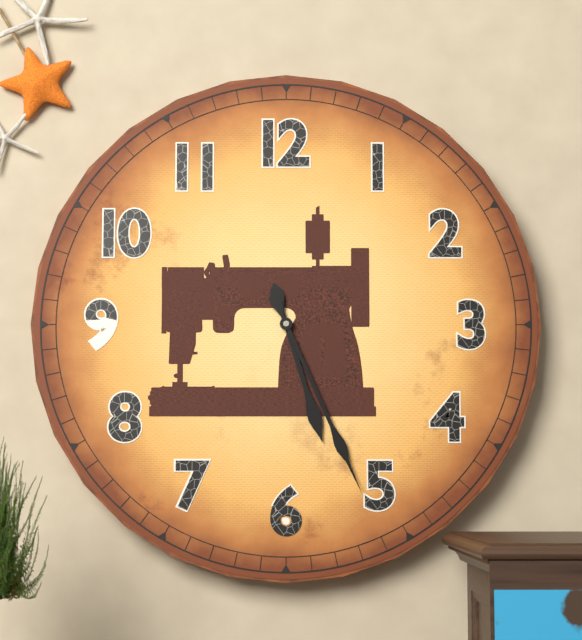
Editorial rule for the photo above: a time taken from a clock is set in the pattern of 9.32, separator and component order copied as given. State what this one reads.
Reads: 5.26
